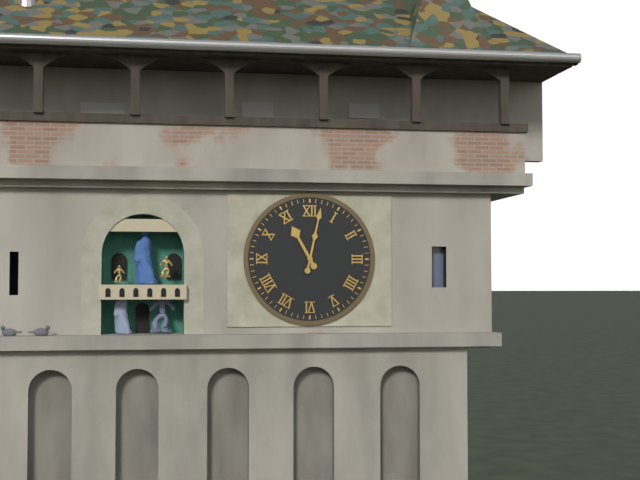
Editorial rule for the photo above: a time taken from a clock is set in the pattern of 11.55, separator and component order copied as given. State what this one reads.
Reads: 11.02
